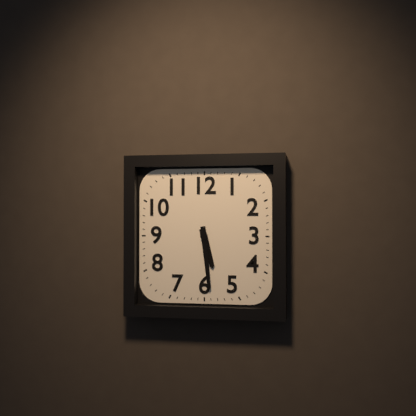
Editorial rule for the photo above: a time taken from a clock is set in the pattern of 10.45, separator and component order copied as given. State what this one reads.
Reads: 5.29
